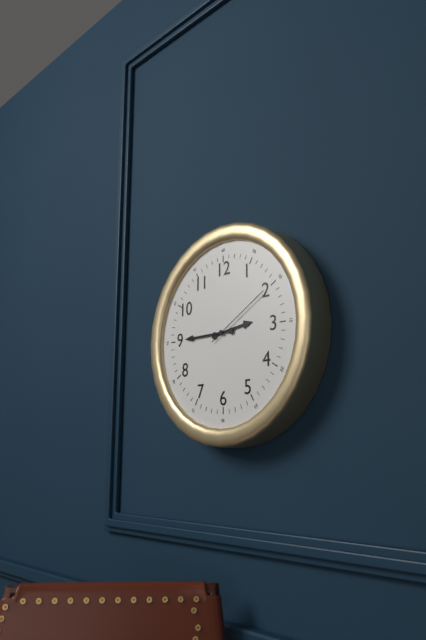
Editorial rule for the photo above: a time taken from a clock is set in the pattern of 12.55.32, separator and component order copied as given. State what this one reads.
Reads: 2.45.10
